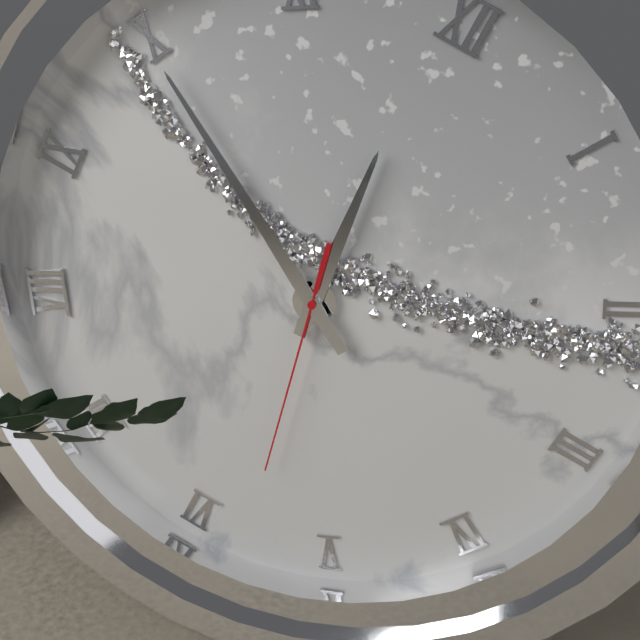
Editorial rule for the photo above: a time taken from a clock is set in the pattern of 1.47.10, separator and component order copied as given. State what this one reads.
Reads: 11.50.28
